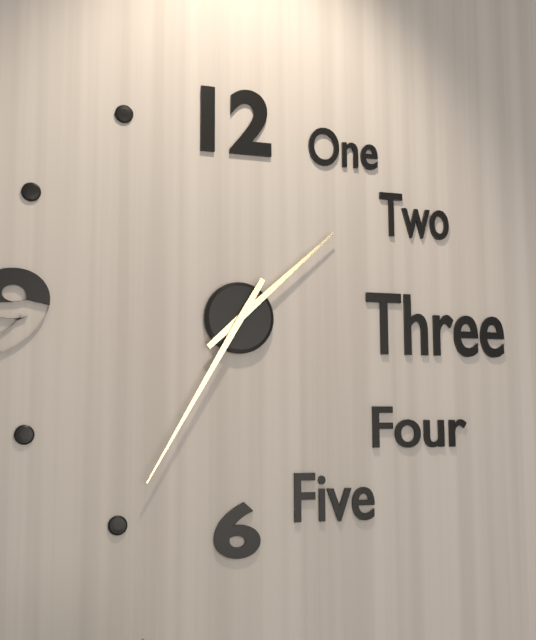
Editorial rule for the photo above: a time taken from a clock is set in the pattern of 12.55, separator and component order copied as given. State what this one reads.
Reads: 1.35
